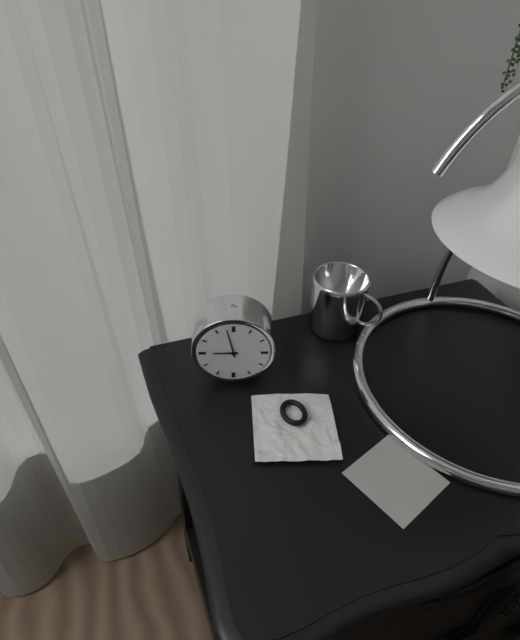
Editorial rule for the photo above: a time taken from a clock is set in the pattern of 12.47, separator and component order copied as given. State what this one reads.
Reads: 8.58
